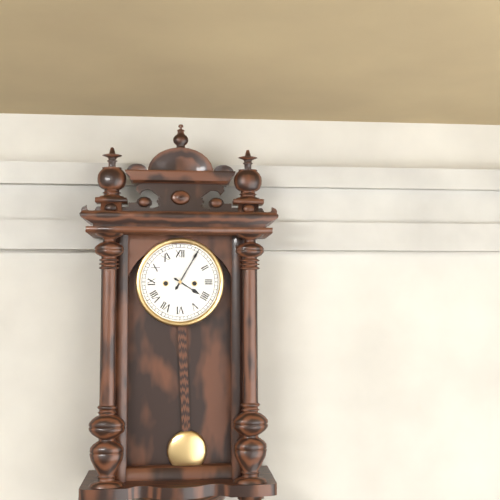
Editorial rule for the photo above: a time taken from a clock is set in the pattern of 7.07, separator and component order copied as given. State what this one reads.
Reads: 4.05
